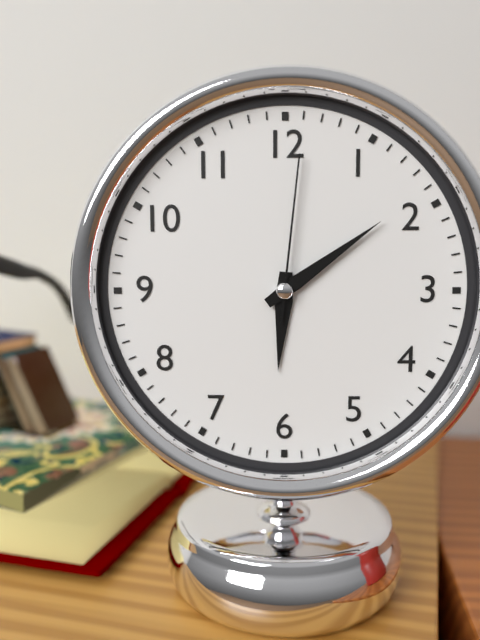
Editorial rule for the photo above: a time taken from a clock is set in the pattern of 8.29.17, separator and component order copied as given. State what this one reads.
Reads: 6.09.01
